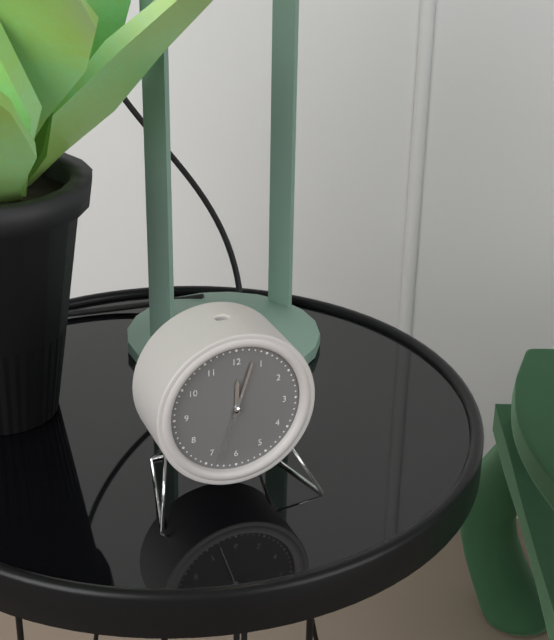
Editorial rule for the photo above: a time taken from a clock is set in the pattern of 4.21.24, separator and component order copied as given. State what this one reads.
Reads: 12.03.33
